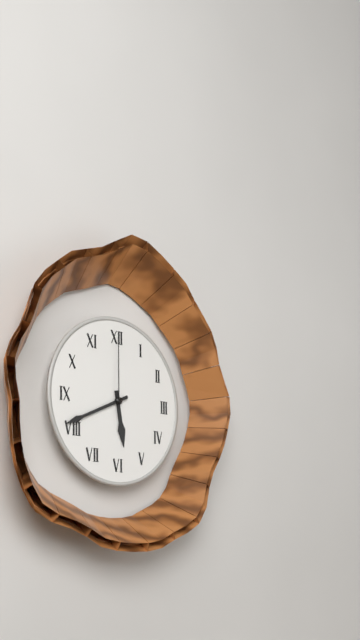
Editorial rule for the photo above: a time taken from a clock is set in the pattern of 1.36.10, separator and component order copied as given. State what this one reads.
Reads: 5.41.00
